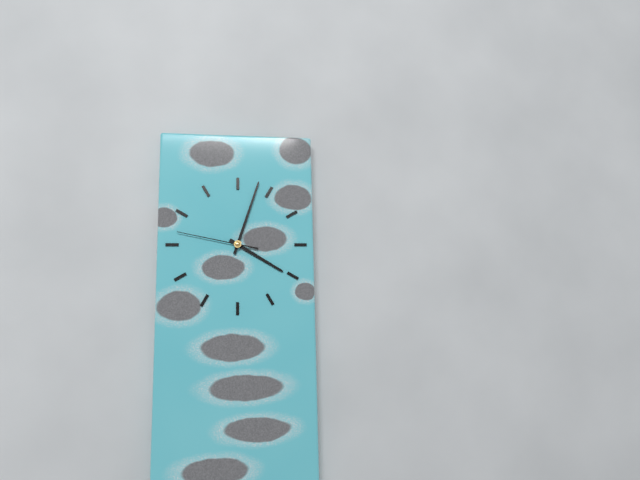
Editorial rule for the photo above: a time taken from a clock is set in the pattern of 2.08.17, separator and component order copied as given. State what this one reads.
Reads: 4.03.47
